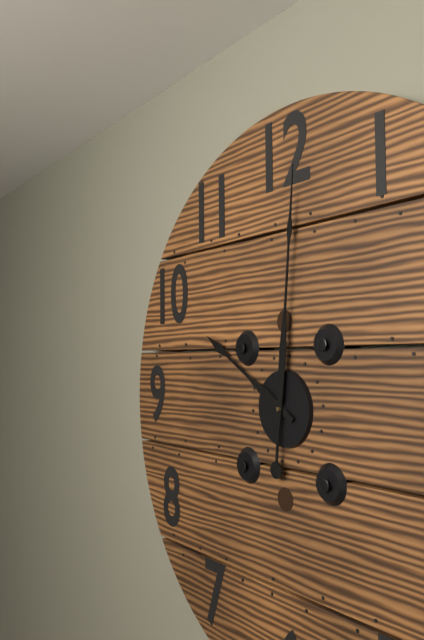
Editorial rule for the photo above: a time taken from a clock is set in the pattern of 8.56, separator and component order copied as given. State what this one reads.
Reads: 10.01
